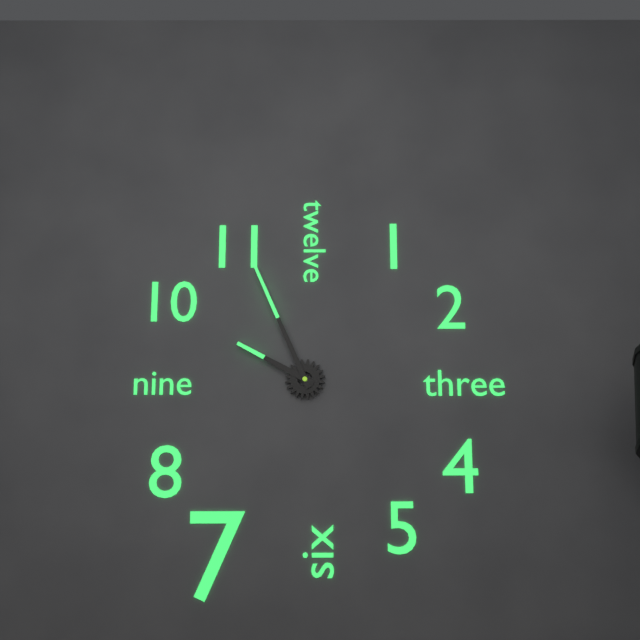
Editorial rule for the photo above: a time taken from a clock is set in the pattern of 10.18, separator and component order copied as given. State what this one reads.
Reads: 9.56
